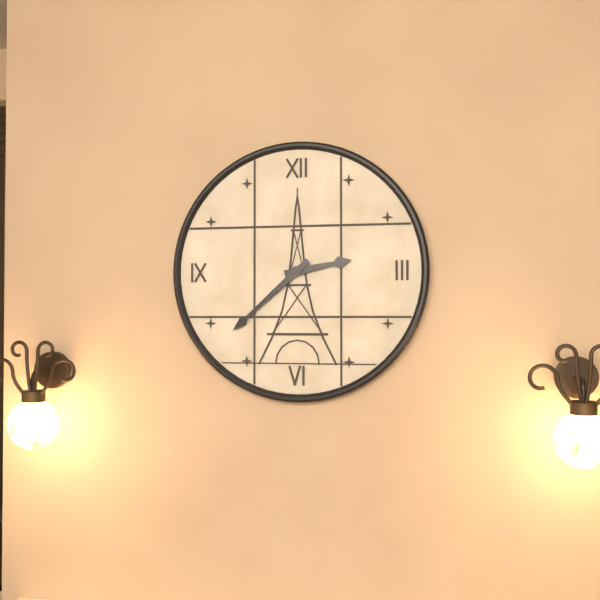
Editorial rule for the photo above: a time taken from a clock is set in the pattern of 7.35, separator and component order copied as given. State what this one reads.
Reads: 2.38
